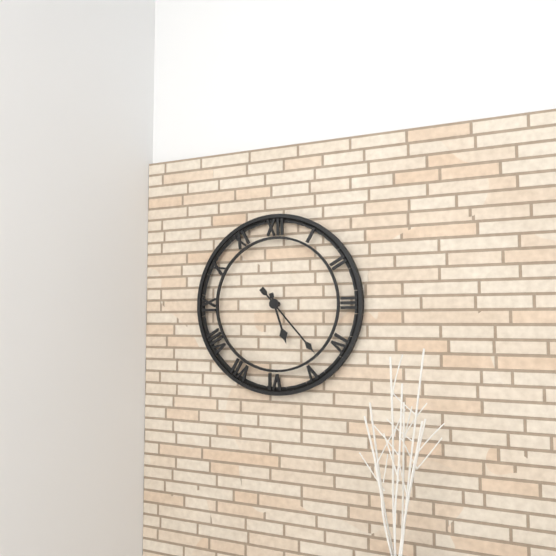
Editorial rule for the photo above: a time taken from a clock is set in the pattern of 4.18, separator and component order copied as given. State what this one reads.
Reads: 5.23
